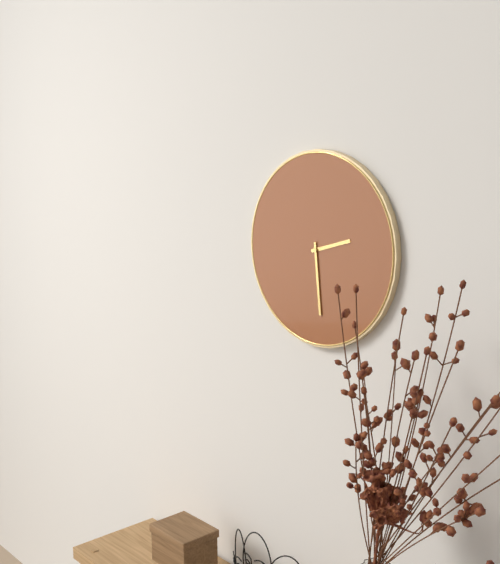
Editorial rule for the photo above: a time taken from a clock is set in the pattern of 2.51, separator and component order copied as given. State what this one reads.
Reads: 2.29
